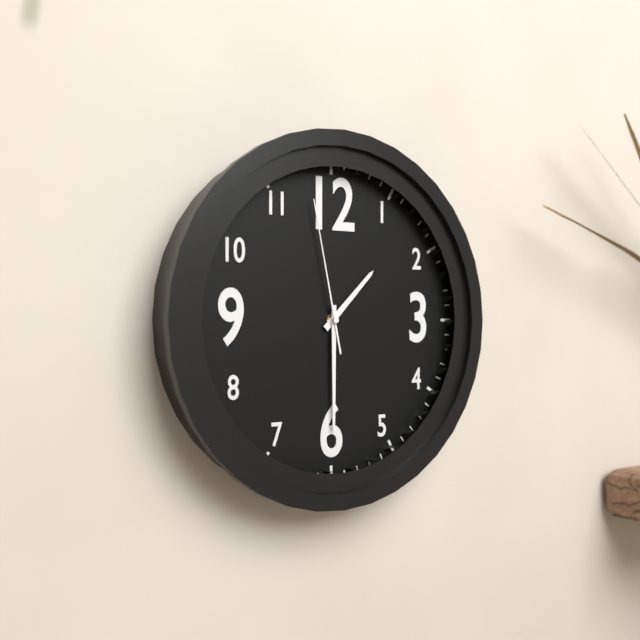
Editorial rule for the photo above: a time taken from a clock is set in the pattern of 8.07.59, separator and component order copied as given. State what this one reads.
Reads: 1.30.58
